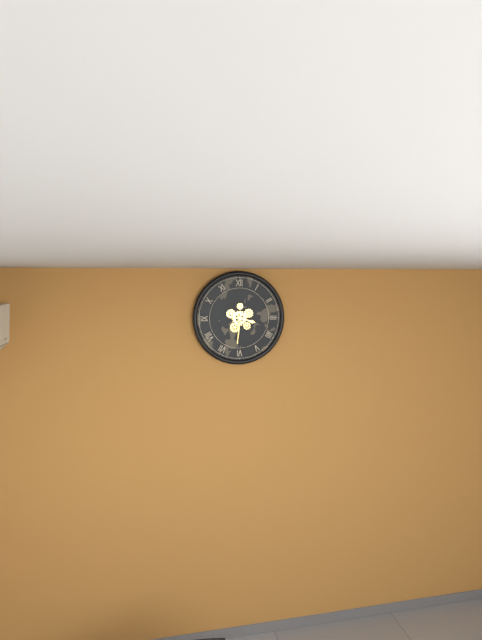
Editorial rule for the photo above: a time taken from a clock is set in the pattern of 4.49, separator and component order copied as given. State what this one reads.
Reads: 3.31
